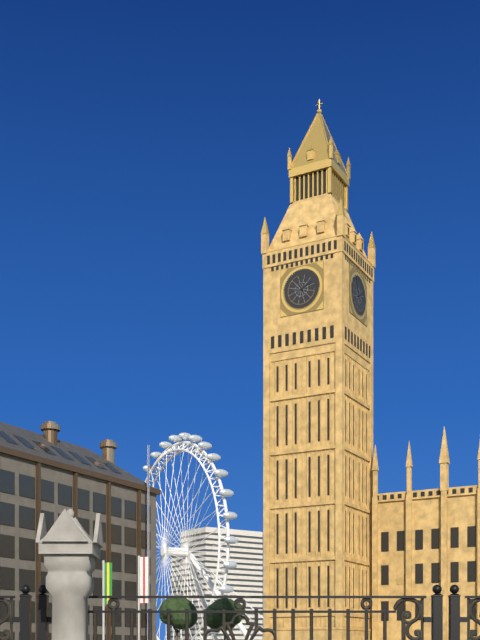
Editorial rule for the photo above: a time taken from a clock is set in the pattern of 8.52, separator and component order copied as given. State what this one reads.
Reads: 1.56
